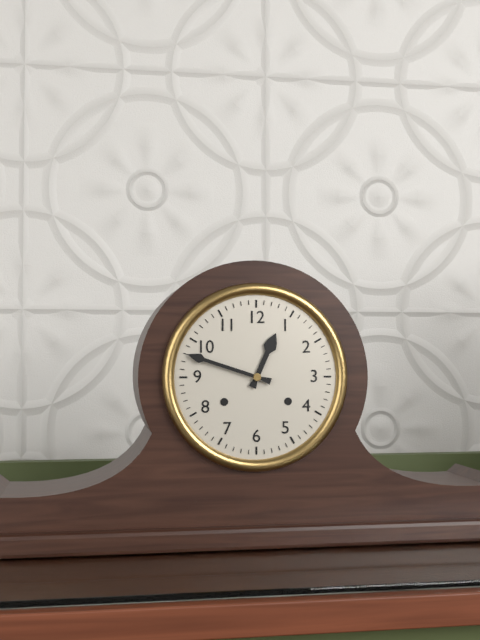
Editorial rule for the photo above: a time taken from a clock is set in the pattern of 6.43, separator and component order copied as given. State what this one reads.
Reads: 12.48
